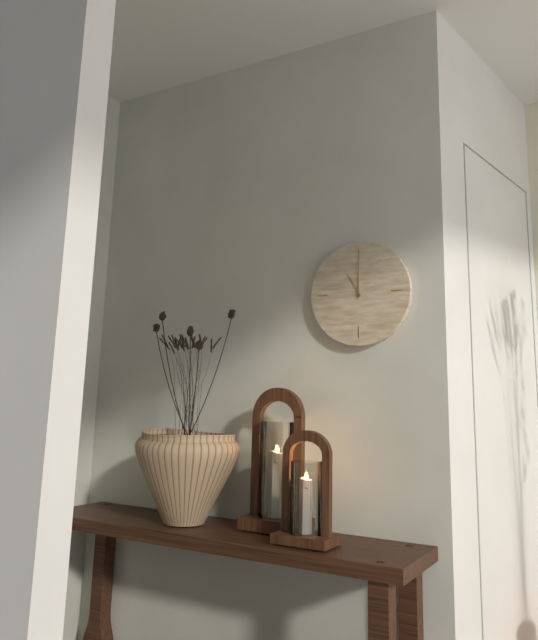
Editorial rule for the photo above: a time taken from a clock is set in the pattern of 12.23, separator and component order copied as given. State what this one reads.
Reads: 11.00
